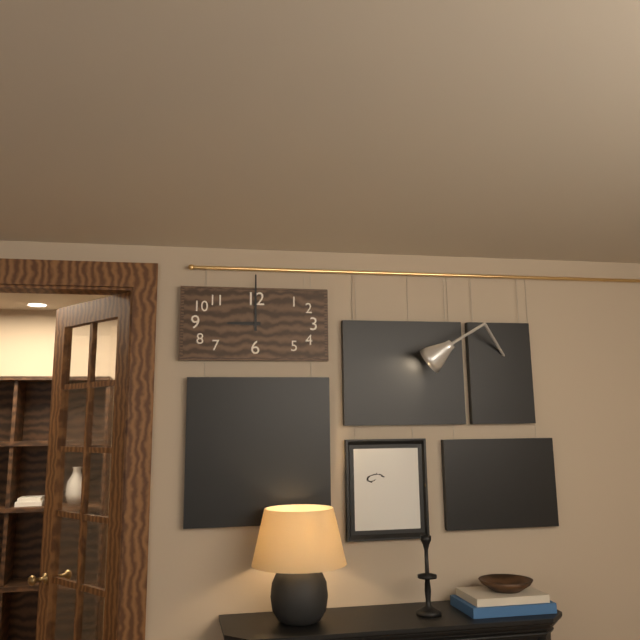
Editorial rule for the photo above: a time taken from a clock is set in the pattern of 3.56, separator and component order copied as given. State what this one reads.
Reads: 9.00
